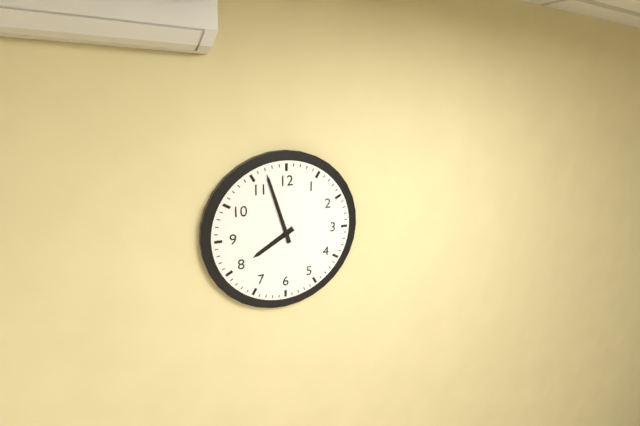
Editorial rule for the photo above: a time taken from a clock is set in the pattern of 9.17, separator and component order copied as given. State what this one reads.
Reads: 7.57
